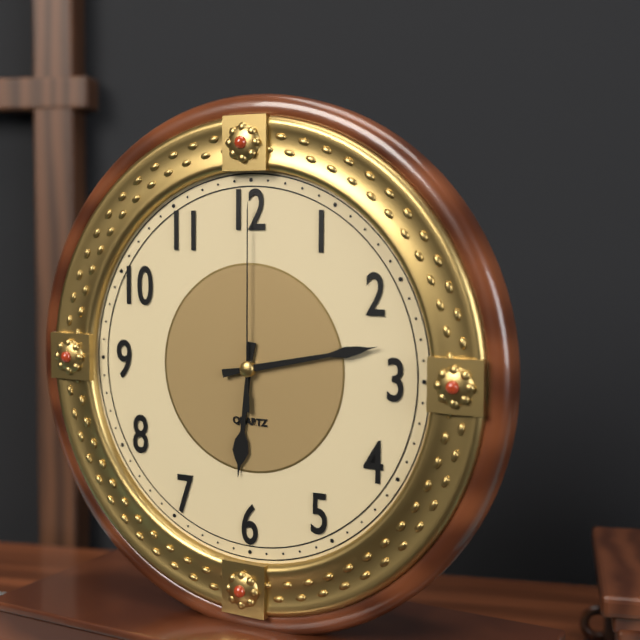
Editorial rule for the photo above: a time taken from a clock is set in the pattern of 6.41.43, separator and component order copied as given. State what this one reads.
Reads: 6.13.00
